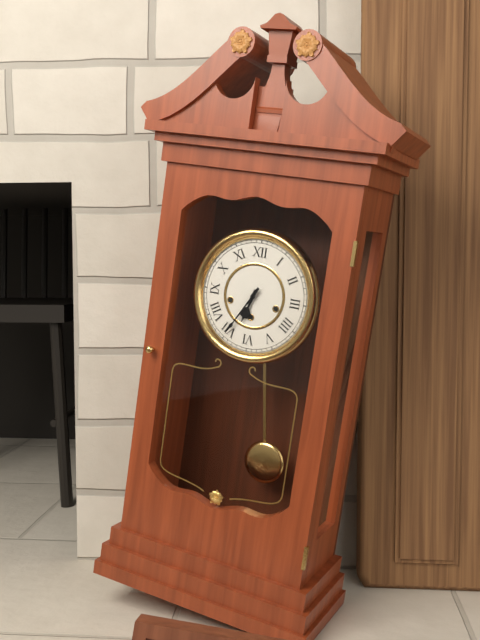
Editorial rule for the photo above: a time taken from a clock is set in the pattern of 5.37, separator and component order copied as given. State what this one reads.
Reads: 6.35
